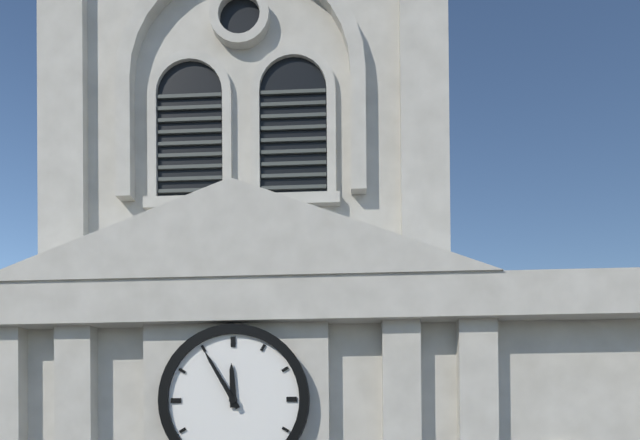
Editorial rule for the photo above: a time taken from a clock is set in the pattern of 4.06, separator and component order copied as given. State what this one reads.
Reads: 11.55
